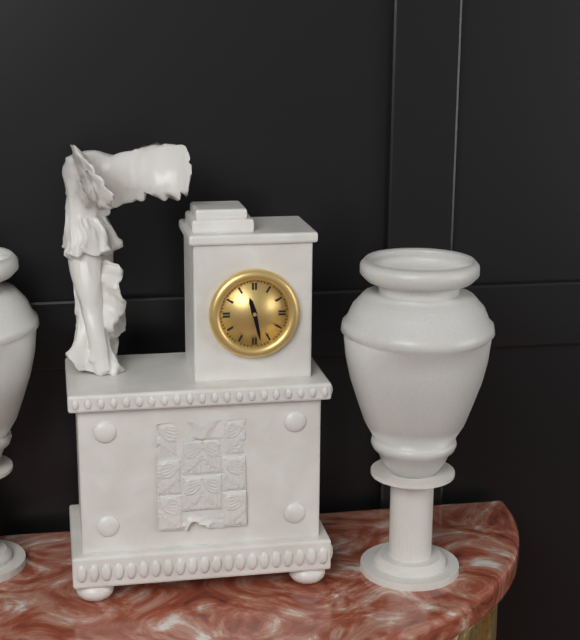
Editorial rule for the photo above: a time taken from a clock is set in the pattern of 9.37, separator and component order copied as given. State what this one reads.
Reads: 11.28
